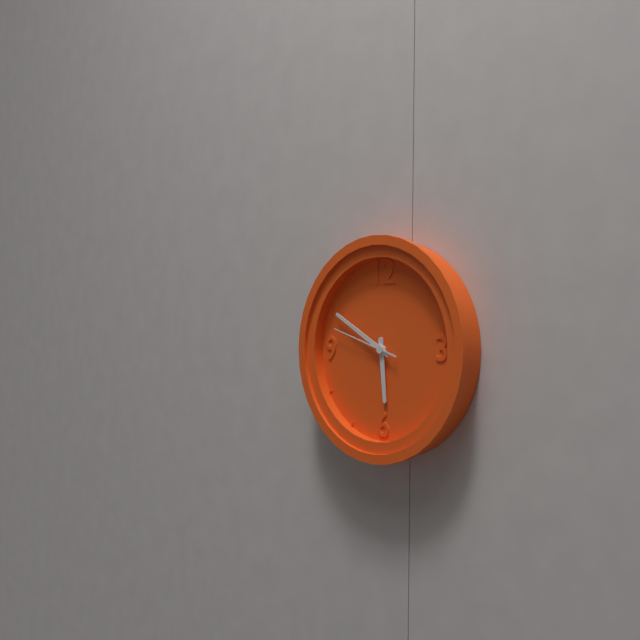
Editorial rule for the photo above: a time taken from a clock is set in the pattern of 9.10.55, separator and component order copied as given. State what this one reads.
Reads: 5.50.48
